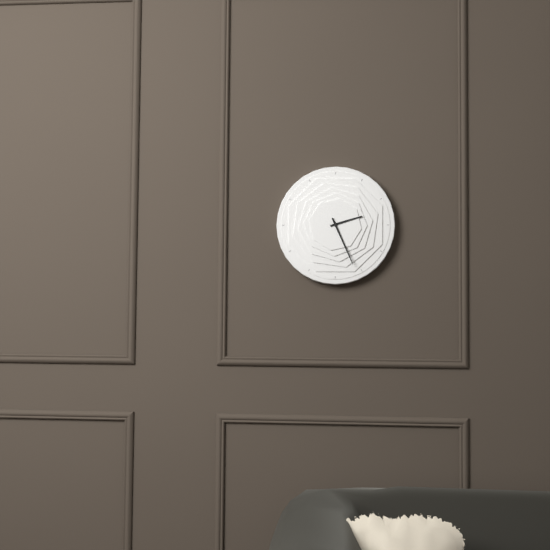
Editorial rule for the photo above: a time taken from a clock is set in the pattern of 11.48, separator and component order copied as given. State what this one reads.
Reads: 2.26
